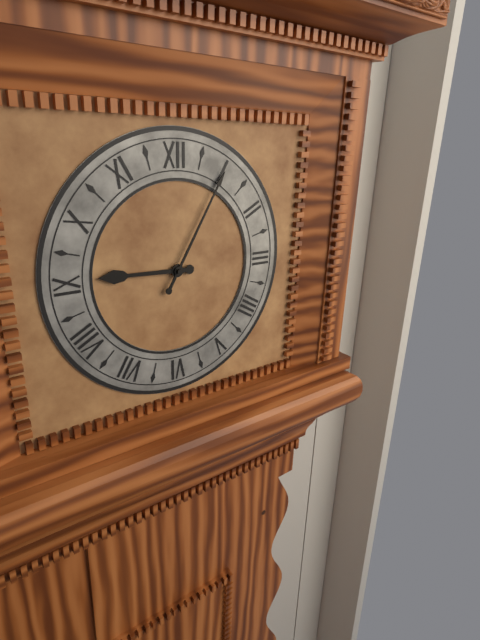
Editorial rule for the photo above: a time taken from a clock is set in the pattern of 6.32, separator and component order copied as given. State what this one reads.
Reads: 9.05
